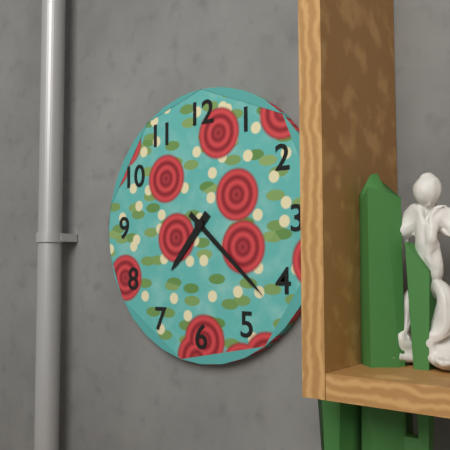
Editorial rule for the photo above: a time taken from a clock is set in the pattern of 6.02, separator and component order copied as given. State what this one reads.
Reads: 7.22
